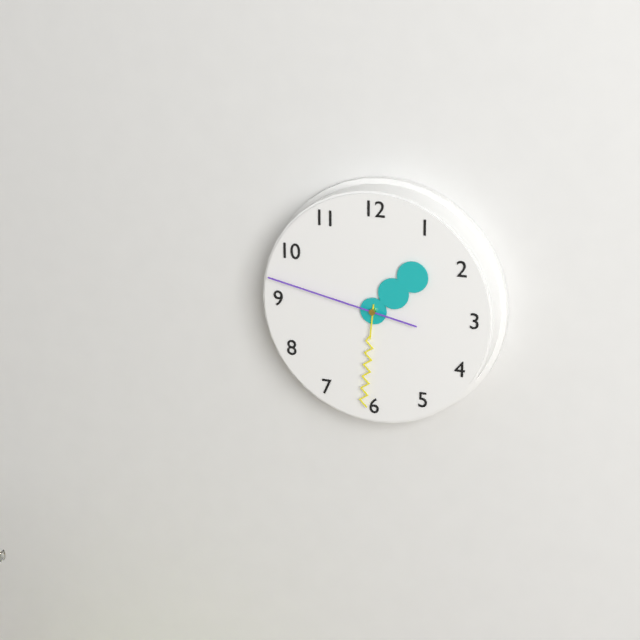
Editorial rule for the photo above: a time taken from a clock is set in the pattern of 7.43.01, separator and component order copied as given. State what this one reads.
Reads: 1.31.47
